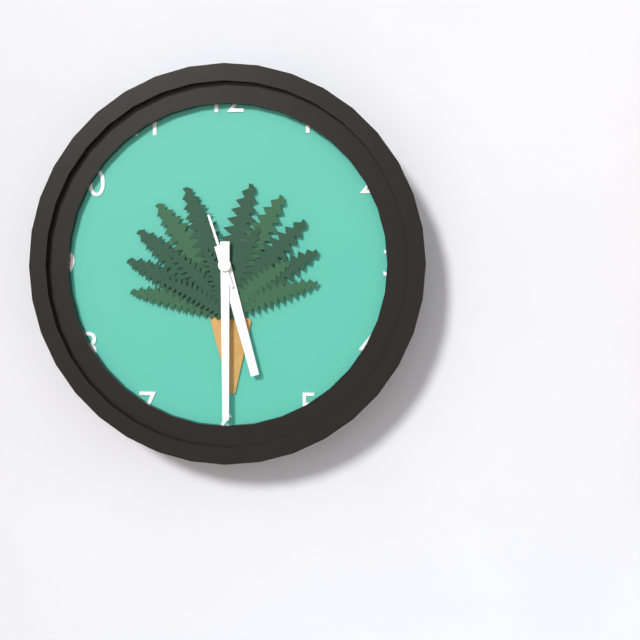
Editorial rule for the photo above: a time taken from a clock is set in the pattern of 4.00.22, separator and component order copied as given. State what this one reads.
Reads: 5.30.57
